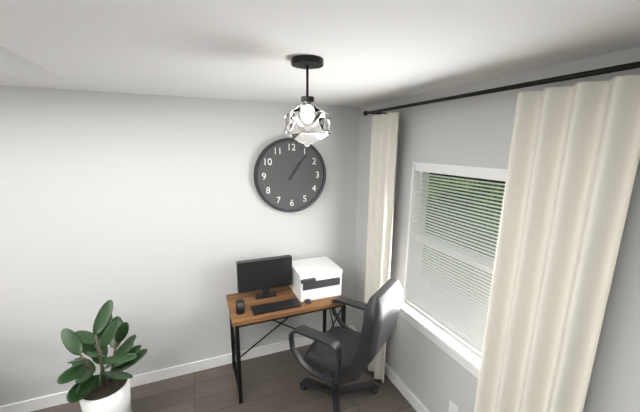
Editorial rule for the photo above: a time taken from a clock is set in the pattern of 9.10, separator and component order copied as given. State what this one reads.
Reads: 1.06
